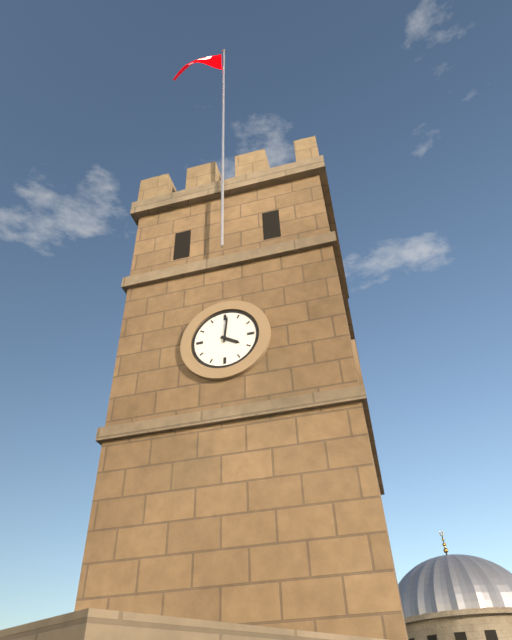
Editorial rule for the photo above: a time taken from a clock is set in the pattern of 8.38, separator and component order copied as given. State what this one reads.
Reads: 4.01
